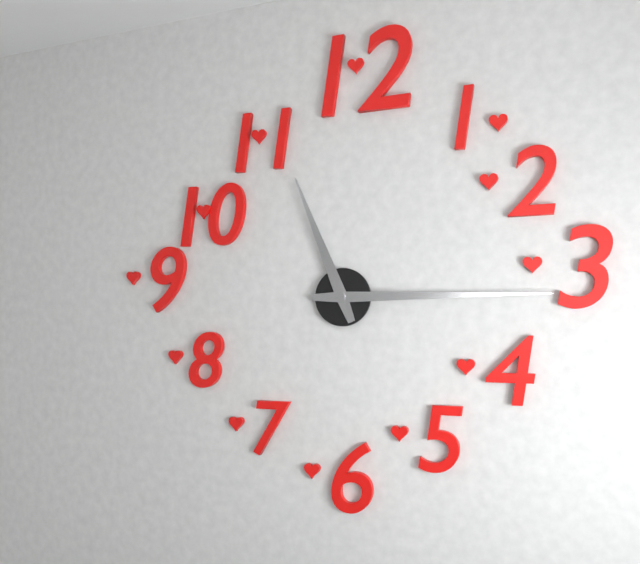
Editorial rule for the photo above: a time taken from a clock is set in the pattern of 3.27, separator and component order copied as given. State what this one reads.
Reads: 11.15
